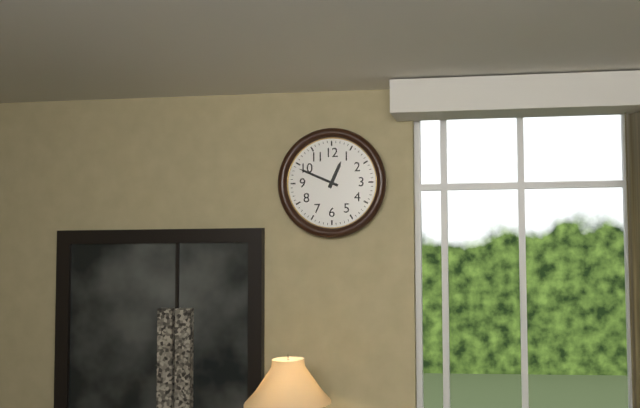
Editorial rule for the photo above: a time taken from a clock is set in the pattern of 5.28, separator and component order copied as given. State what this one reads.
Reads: 12.49
